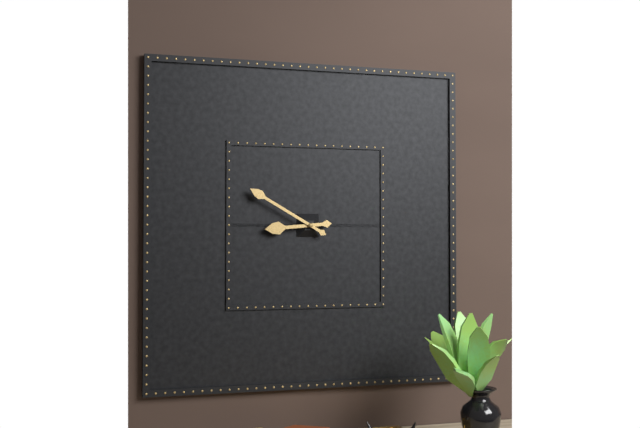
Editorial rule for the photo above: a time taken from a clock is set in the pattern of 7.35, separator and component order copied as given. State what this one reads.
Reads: 8.50
